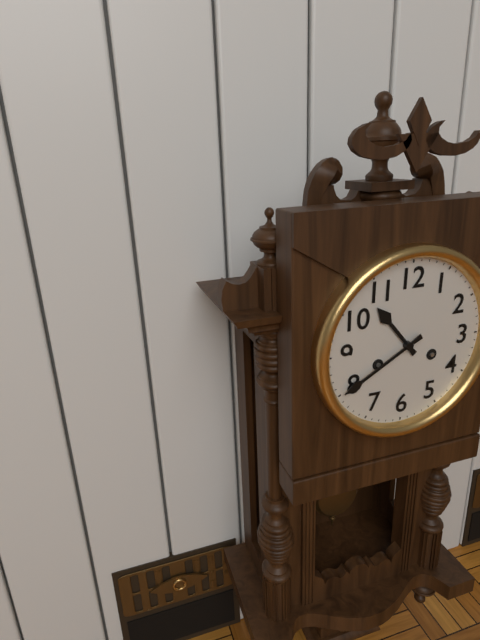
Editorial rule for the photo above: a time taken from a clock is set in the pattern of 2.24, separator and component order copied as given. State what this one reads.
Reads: 10.40
